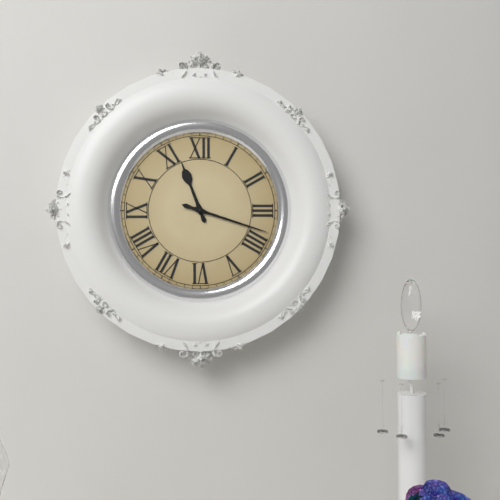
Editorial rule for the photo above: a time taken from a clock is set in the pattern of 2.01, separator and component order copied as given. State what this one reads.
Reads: 11.18
